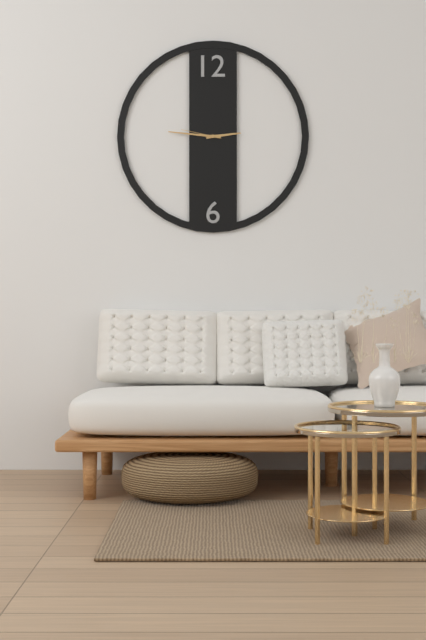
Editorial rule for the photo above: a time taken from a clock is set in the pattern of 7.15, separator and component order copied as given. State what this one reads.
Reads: 2.46
